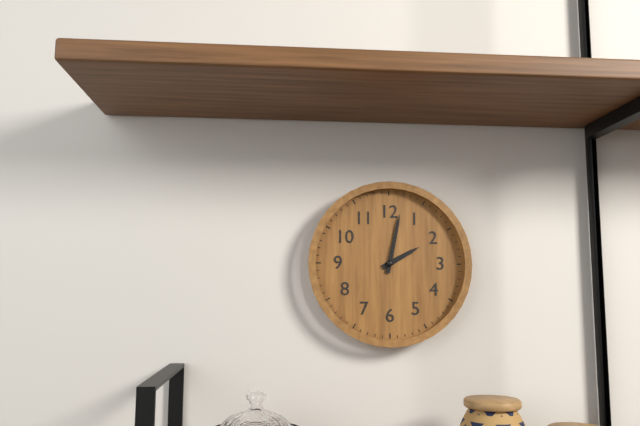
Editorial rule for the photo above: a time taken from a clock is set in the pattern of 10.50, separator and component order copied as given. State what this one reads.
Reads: 2.02
